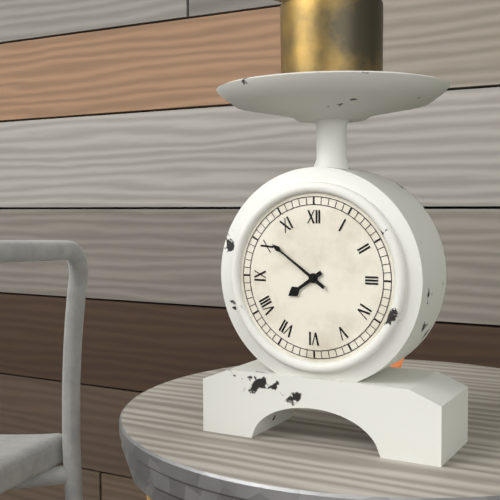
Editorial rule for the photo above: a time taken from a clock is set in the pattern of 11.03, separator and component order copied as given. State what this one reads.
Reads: 7.51
